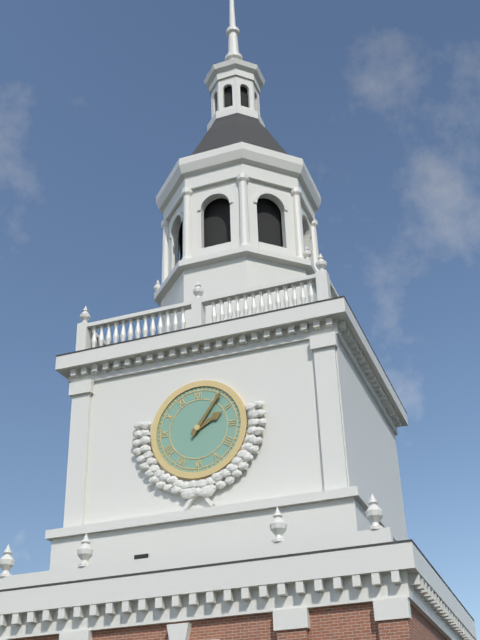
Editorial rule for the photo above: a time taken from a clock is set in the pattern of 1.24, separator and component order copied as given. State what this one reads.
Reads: 2.06
